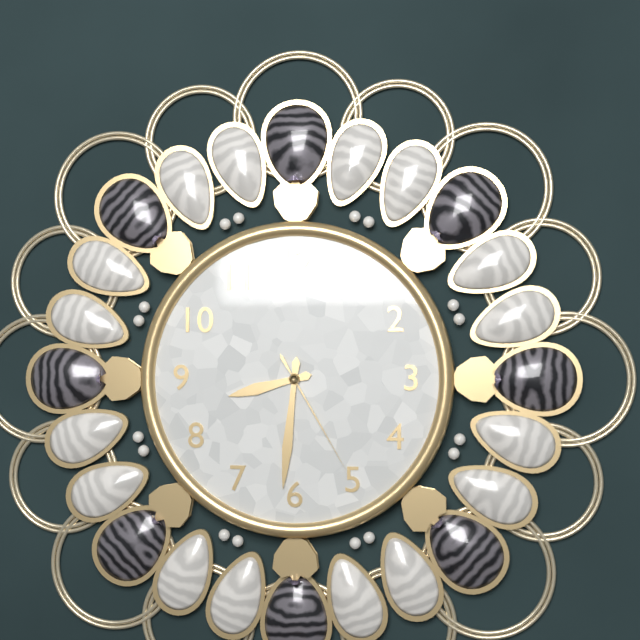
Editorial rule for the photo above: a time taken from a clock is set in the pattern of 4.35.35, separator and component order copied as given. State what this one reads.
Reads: 8.31.25
